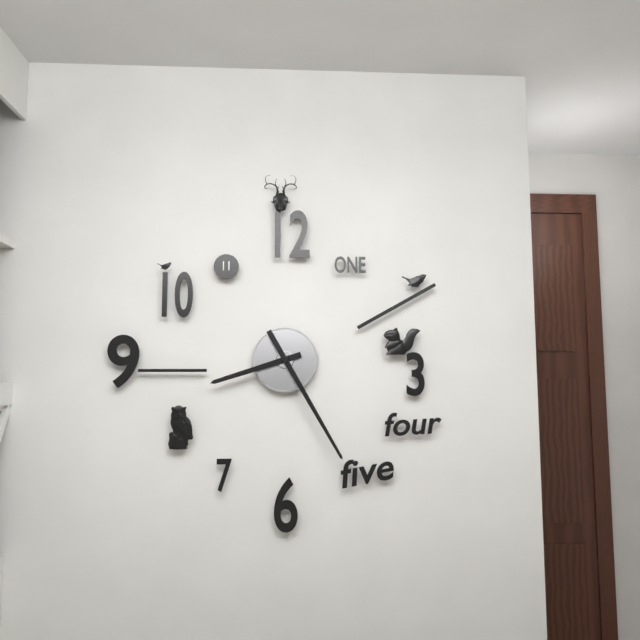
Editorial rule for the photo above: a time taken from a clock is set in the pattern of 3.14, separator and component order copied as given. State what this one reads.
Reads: 8.25
